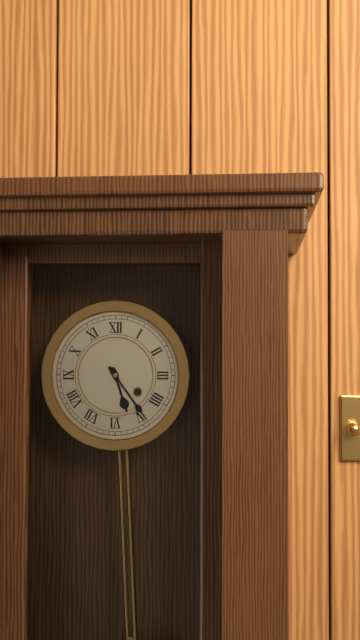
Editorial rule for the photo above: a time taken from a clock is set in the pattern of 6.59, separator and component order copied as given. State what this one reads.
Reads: 5.24
